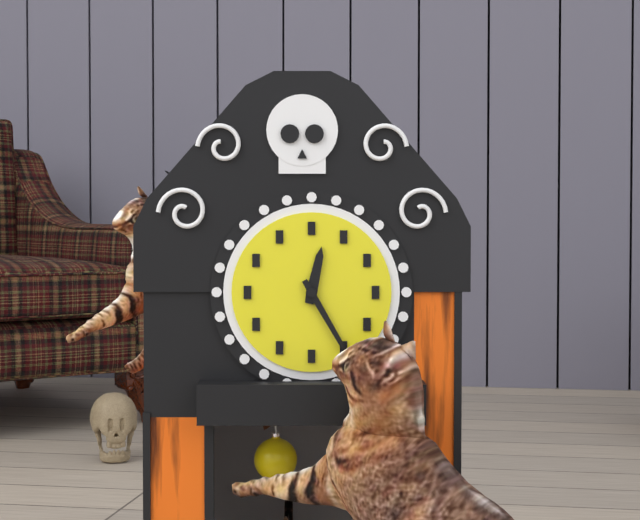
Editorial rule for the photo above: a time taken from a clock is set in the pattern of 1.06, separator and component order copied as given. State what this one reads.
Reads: 12.25
